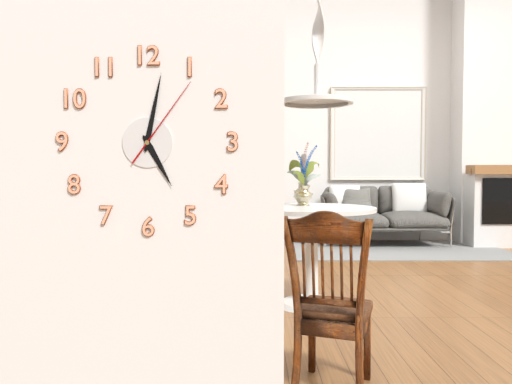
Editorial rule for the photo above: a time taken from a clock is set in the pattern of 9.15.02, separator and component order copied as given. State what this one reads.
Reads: 5.02.06
